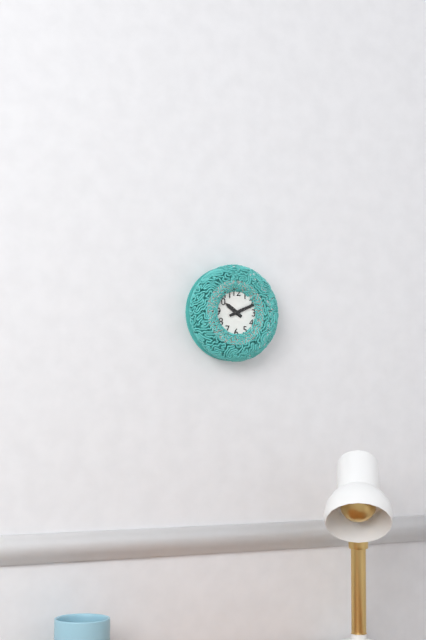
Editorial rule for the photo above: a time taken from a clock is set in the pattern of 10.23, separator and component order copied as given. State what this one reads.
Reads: 10.11
